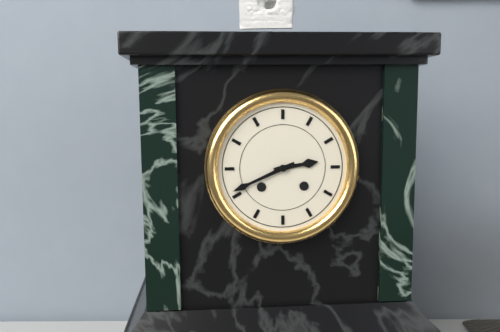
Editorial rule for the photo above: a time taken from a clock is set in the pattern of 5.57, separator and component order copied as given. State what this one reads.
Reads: 2.41
